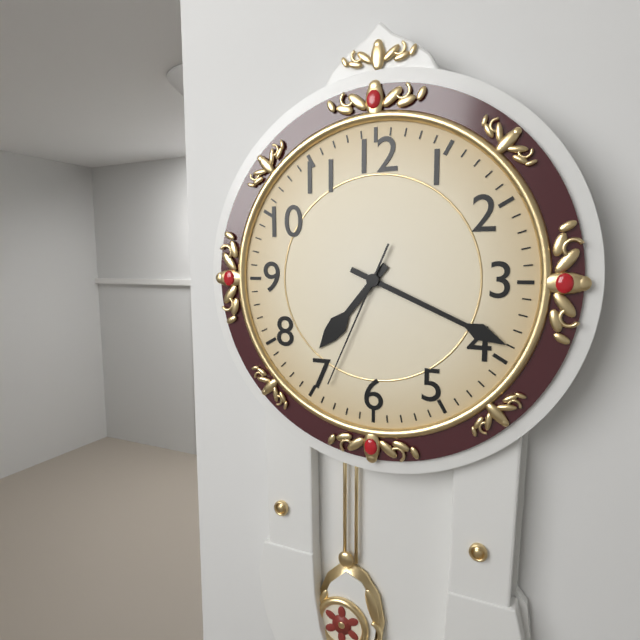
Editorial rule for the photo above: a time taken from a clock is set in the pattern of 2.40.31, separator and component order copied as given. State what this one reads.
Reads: 7.19.34
